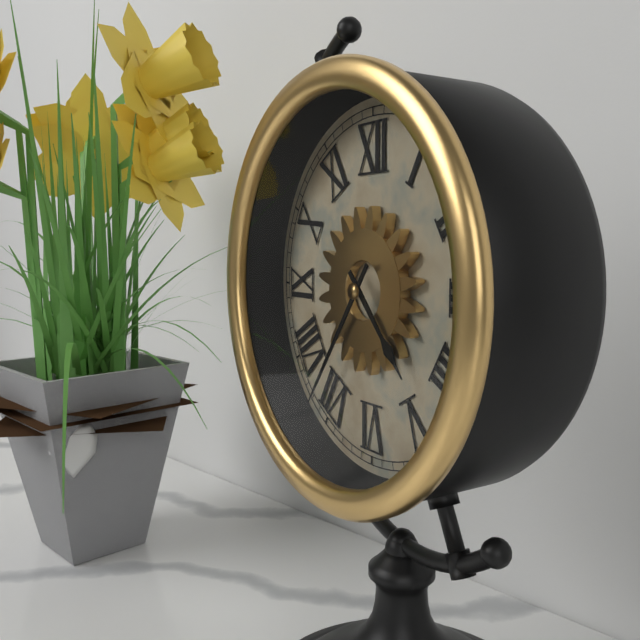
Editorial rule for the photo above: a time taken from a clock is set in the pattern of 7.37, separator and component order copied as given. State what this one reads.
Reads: 4.36
